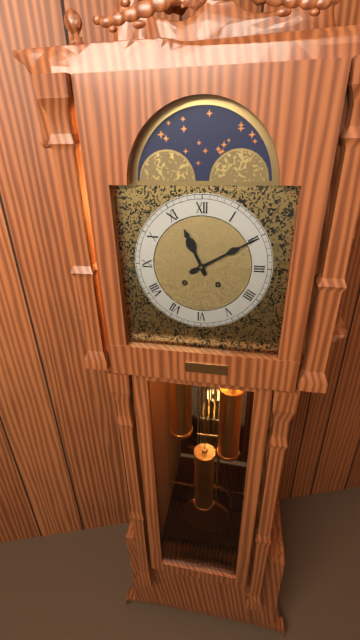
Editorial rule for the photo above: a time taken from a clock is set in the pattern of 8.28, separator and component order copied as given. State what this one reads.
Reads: 11.10
